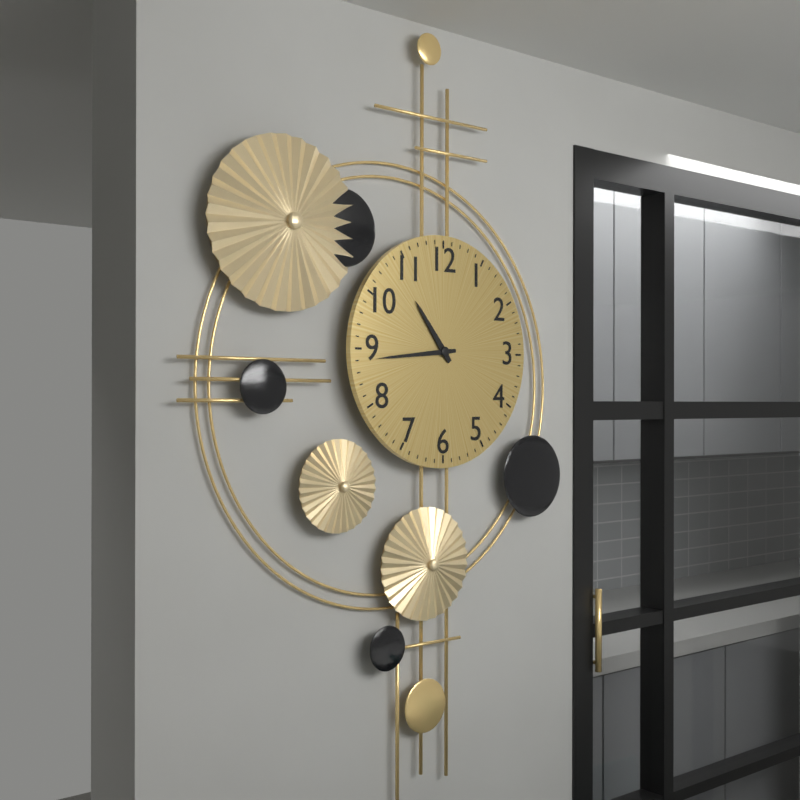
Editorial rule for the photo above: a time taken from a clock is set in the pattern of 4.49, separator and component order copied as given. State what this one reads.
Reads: 10.44
